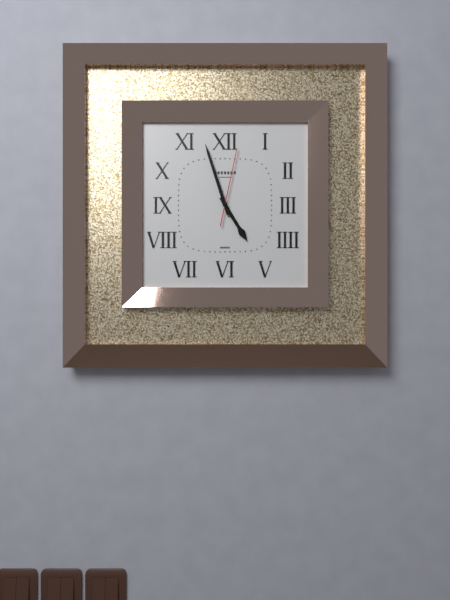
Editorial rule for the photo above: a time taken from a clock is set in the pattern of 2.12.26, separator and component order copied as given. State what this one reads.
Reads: 4.57.02
